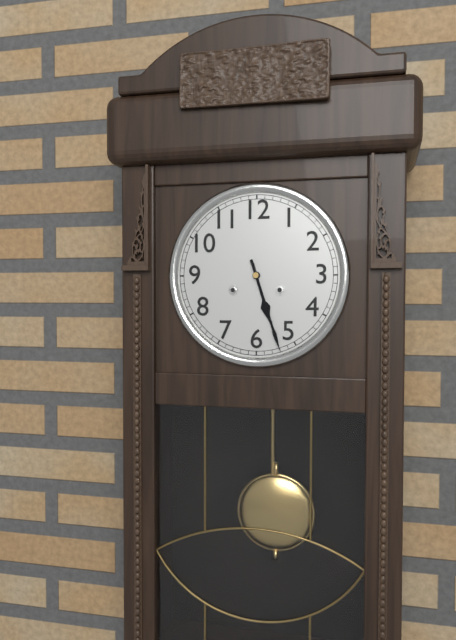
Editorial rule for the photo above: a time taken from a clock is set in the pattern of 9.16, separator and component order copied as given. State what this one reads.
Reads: 5.27
